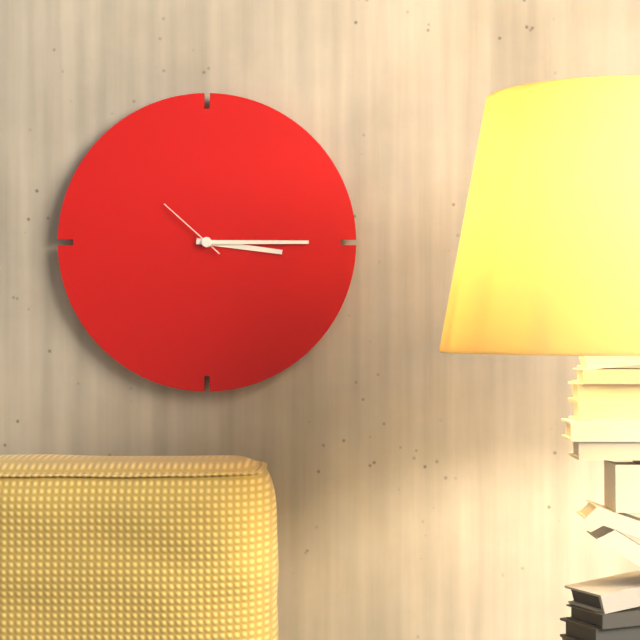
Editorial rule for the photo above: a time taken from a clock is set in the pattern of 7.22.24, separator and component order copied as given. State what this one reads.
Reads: 3.15.52
